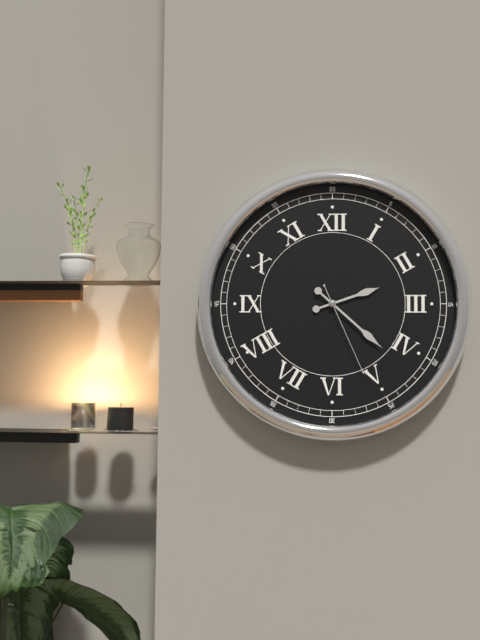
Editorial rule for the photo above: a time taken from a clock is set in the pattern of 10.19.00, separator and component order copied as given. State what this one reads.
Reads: 2.22.26
